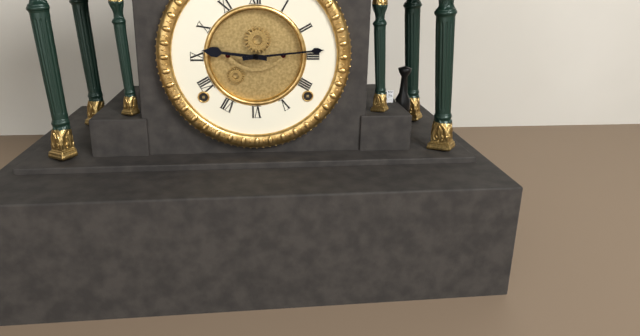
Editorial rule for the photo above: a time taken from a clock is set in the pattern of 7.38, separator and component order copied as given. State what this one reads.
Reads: 9.14
